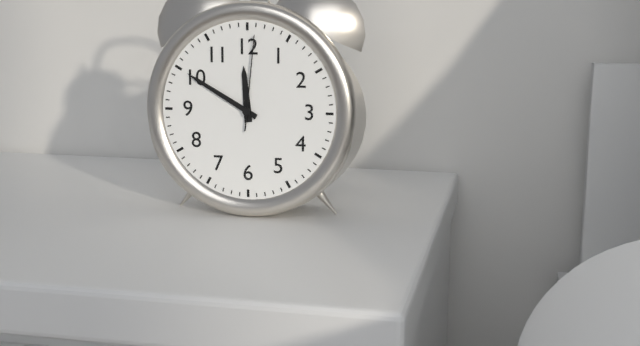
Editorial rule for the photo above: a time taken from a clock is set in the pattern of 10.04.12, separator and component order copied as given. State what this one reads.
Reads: 11.50.01
